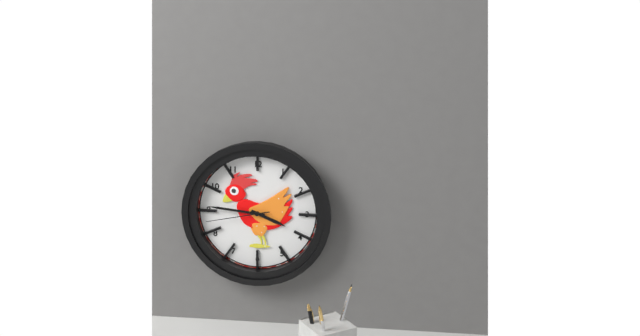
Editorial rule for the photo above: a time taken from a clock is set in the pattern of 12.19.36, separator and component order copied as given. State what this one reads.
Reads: 3.46.43
